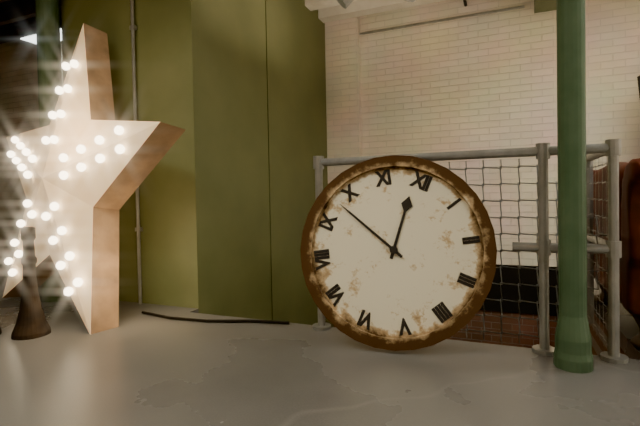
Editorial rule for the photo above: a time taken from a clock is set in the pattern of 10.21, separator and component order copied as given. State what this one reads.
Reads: 11.48
